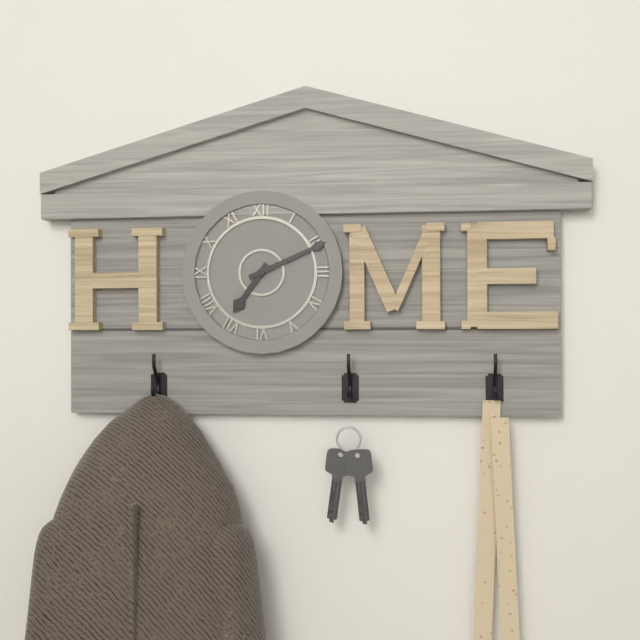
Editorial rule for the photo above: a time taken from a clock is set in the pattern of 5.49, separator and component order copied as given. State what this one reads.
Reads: 7.11
